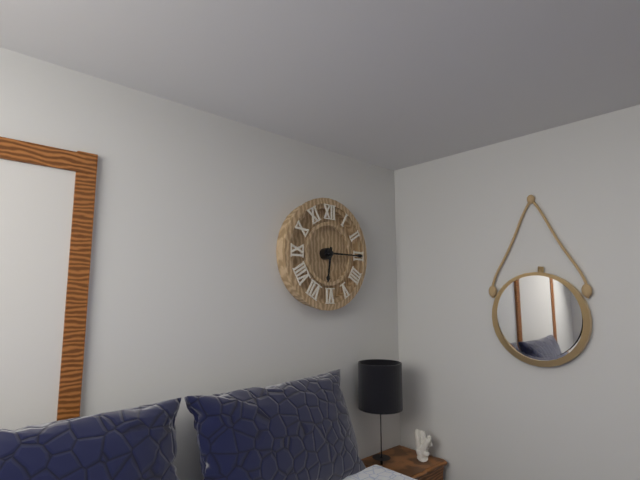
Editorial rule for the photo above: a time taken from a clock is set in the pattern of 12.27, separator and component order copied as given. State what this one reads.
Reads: 6.15
